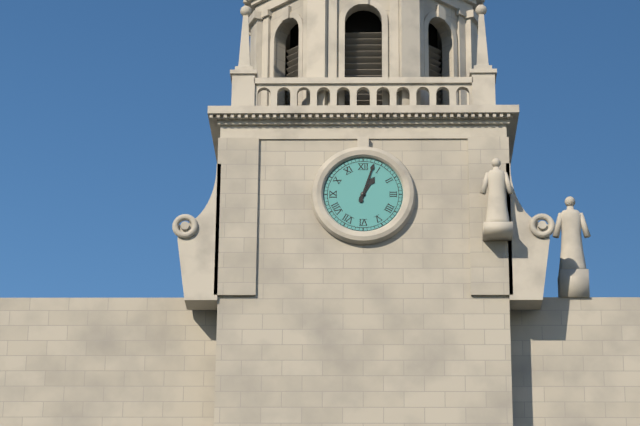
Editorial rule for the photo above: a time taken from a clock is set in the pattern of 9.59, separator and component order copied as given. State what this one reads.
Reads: 1.03
